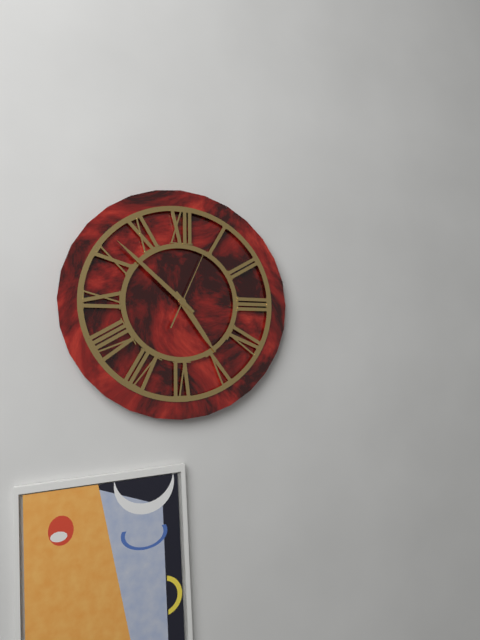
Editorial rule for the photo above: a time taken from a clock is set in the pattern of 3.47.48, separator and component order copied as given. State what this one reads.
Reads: 4.52.04
